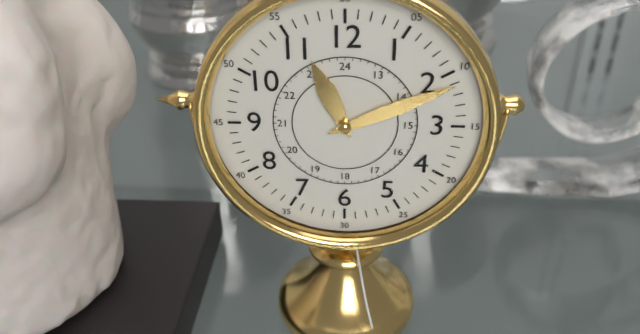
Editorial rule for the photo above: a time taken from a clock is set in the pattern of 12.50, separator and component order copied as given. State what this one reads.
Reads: 11.11
